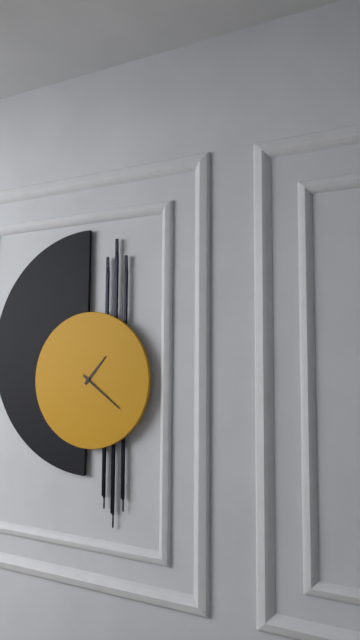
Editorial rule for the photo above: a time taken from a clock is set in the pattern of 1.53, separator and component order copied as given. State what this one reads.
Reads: 1.21
